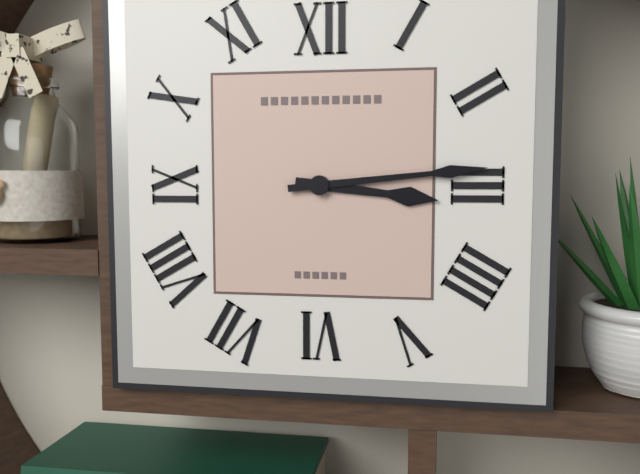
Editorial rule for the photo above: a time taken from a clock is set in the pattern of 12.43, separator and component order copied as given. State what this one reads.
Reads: 3.14
